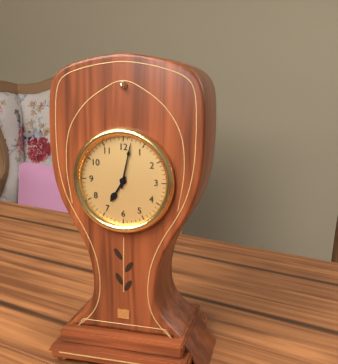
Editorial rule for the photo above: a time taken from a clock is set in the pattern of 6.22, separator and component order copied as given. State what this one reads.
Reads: 7.02
